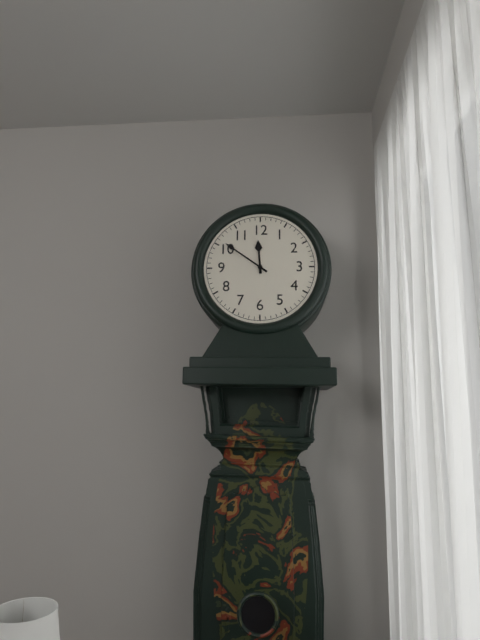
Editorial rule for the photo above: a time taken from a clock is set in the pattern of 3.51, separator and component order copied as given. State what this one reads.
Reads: 11.51
